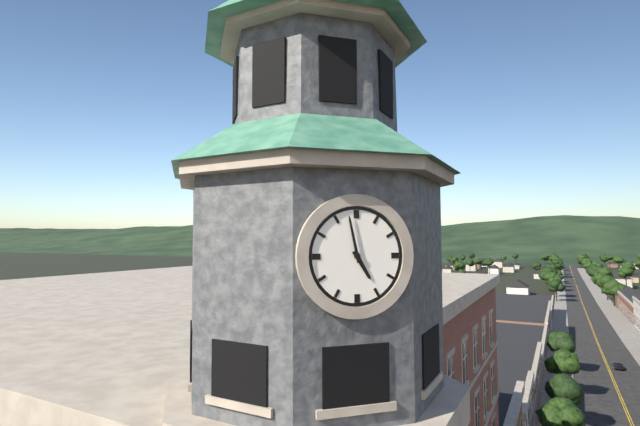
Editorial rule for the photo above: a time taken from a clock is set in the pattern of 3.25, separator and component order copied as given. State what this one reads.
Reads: 4.58
